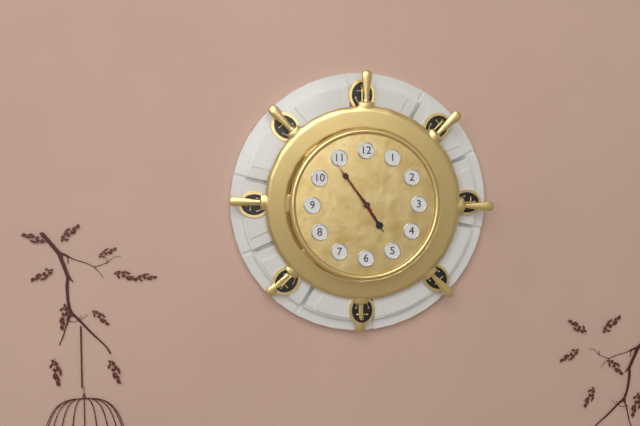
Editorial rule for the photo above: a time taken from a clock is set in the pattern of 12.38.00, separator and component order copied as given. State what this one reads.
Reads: 4.54.54
